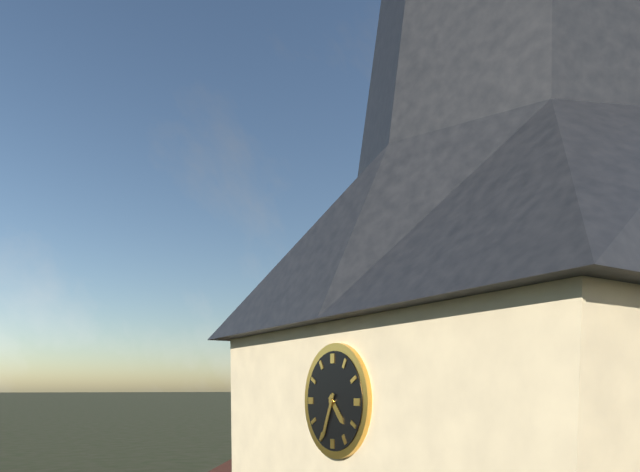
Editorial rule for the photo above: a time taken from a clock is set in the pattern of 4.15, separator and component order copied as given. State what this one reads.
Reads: 4.34
